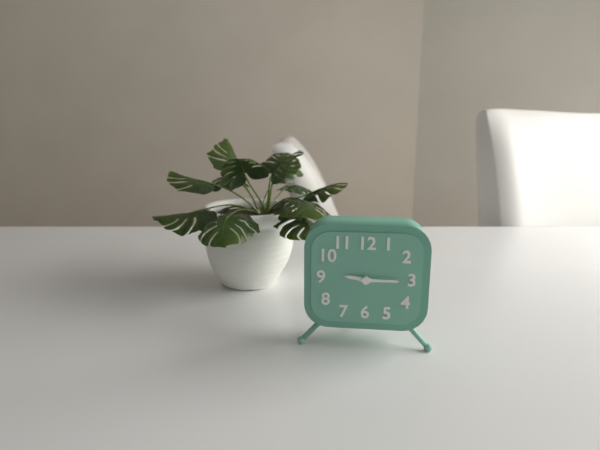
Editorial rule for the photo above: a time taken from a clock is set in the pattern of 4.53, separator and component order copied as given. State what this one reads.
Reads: 9.15
